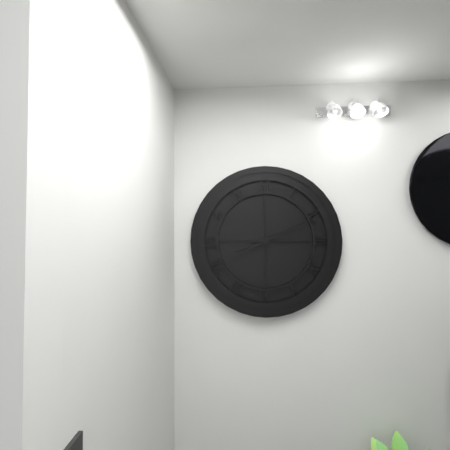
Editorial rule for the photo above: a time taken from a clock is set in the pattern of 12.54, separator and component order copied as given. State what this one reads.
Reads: 8.11
